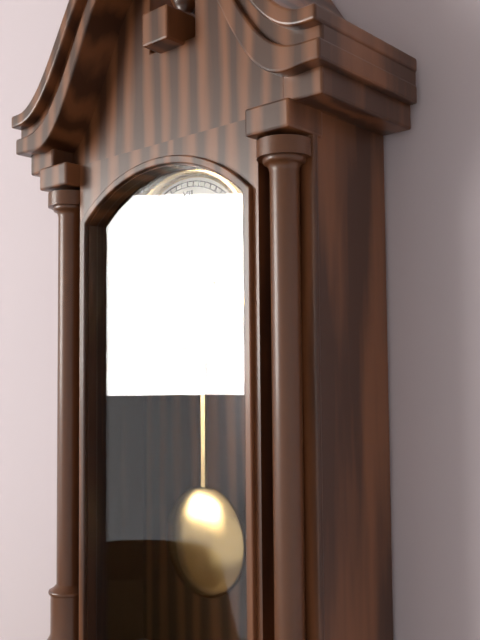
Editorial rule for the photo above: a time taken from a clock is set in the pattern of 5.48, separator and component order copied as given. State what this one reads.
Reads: 4.10
